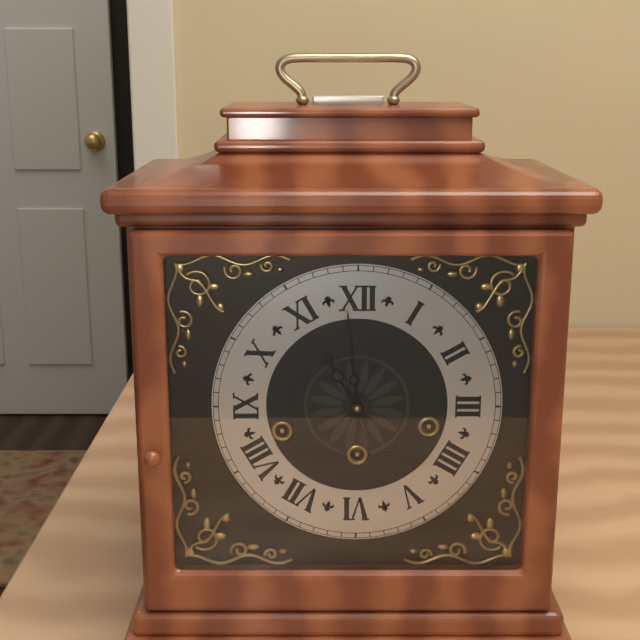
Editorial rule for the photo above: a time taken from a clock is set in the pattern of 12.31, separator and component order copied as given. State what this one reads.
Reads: 10.59
